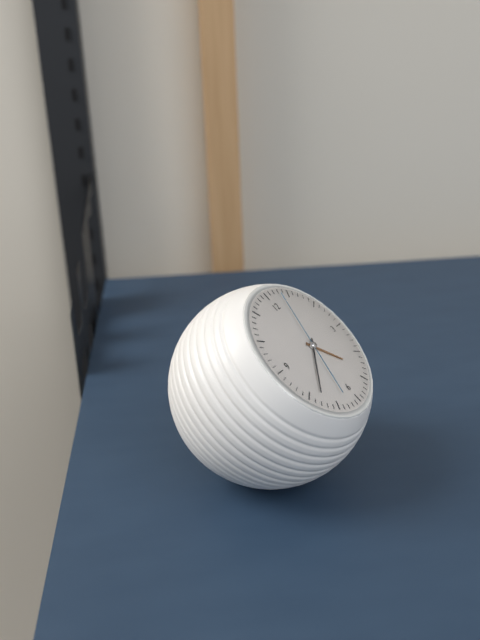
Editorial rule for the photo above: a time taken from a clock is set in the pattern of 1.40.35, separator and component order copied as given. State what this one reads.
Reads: 4.38.03
